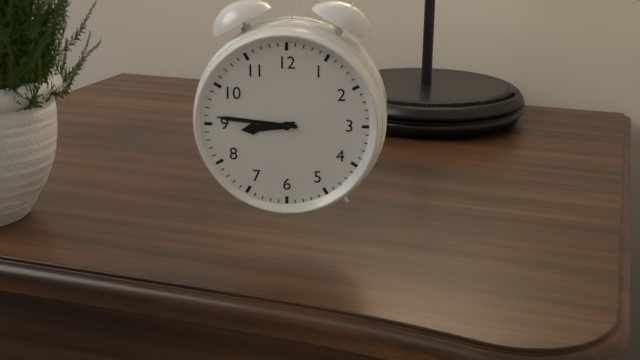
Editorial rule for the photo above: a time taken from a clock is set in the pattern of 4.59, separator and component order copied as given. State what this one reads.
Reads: 8.46
